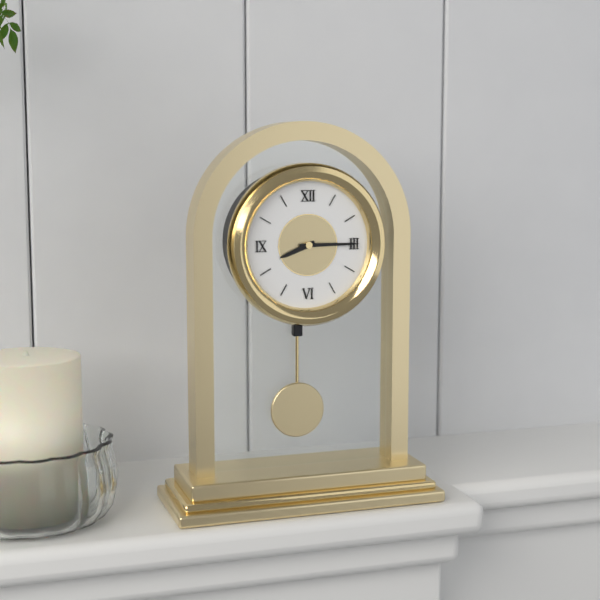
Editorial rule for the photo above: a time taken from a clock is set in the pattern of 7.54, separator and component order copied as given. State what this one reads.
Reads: 8.15
